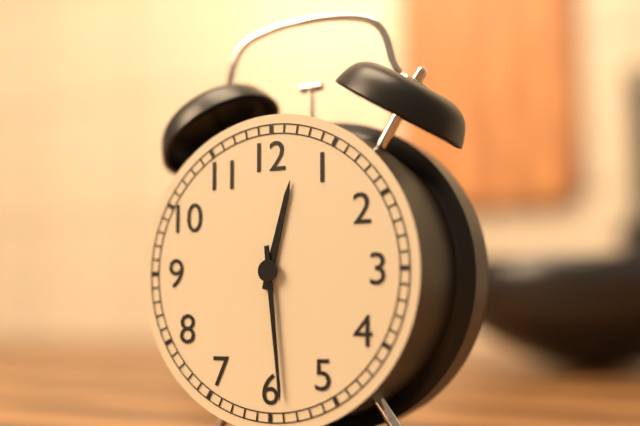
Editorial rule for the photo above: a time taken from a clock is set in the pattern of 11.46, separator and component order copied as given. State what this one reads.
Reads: 12.29
